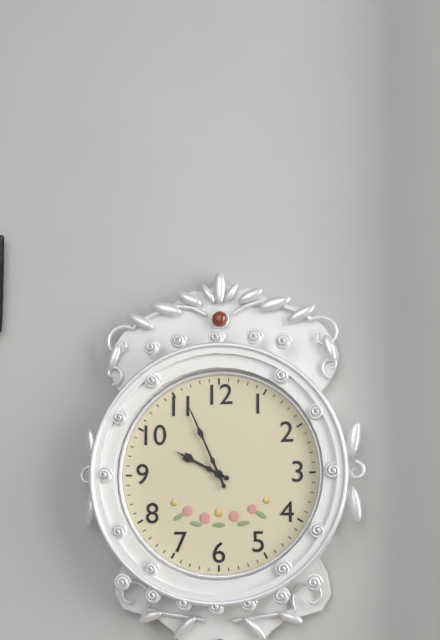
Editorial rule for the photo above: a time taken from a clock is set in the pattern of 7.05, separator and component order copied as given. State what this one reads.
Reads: 9.56
